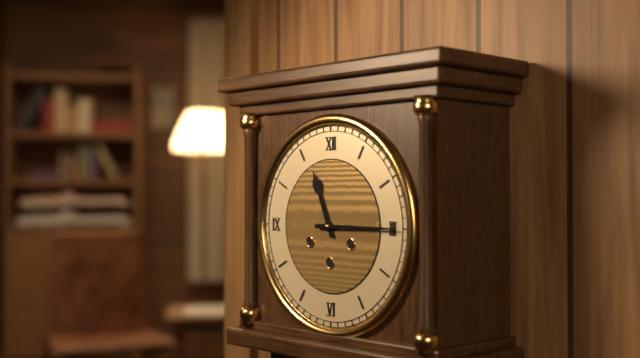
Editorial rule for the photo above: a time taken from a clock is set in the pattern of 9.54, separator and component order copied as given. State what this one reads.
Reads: 11.15
